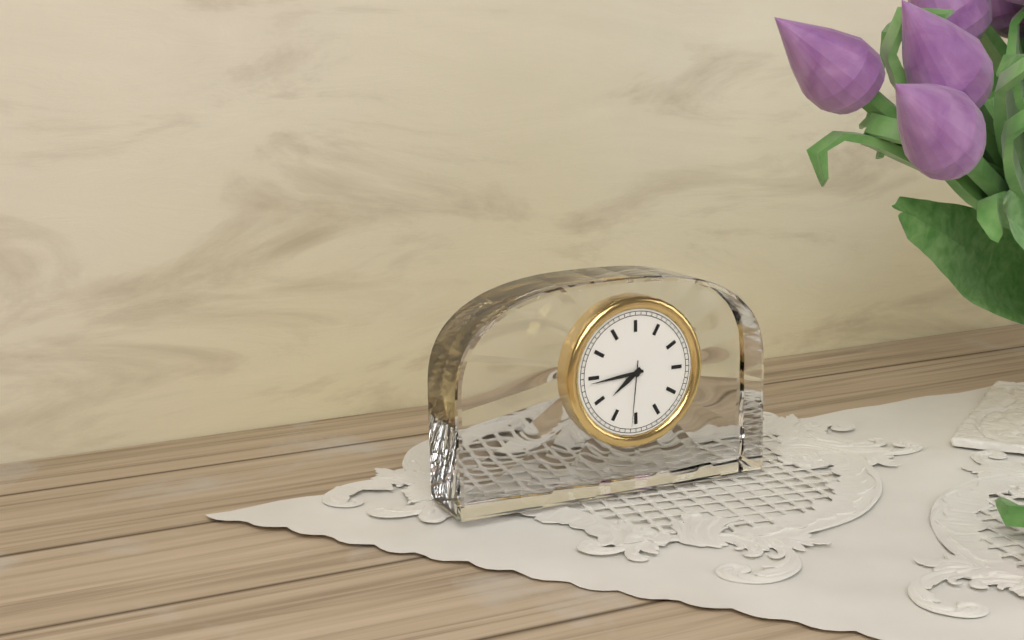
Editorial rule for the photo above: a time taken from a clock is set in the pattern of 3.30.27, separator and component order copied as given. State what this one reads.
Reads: 7.44.31
